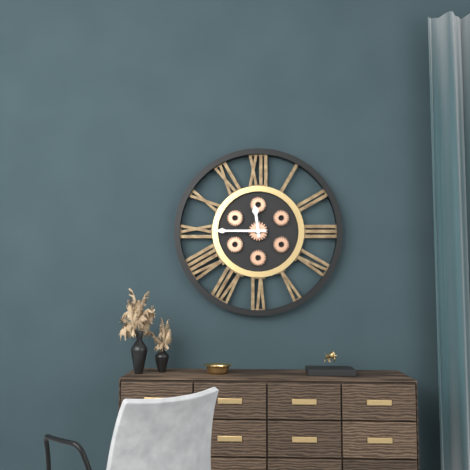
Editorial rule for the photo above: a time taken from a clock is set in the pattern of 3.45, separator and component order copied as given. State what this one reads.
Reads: 11.45
